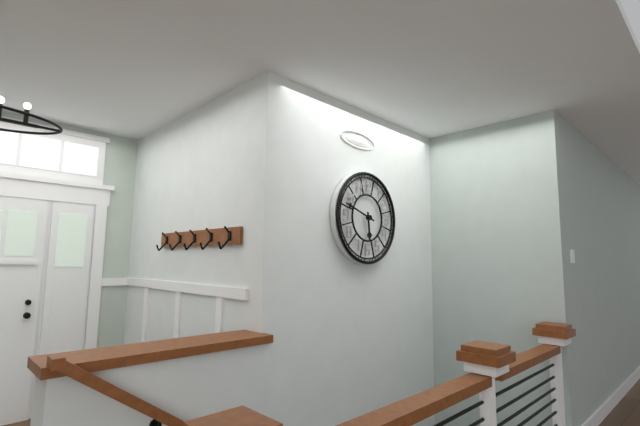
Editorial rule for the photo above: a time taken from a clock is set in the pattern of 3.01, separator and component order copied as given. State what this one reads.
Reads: 5.48
